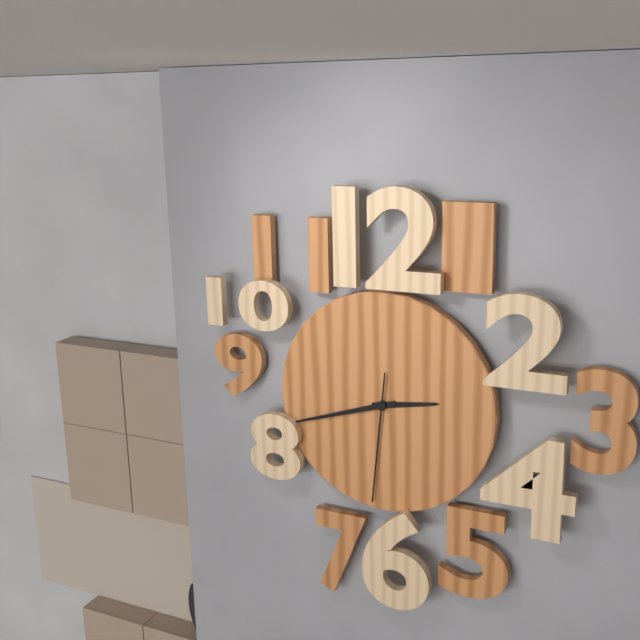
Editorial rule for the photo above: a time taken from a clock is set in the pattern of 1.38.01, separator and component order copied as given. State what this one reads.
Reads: 2.42.31
